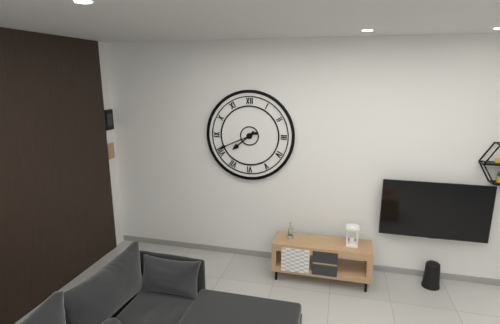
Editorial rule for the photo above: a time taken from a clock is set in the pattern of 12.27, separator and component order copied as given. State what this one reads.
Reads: 7.41
